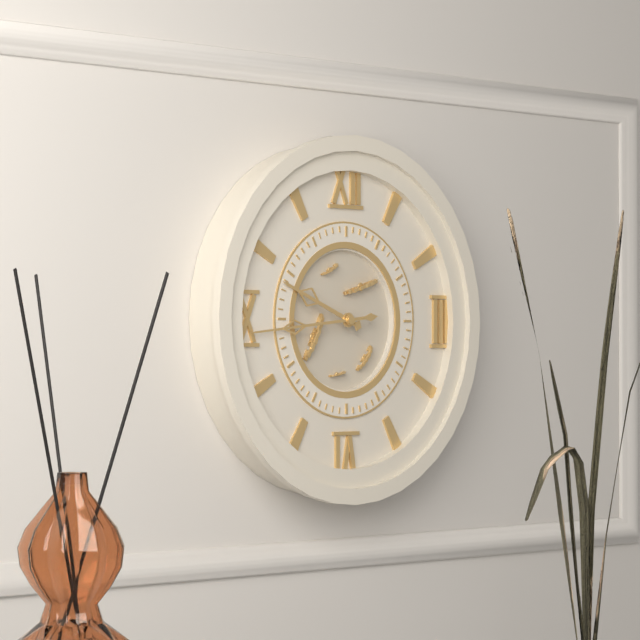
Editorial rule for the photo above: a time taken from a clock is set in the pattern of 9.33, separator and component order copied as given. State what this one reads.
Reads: 9.44
